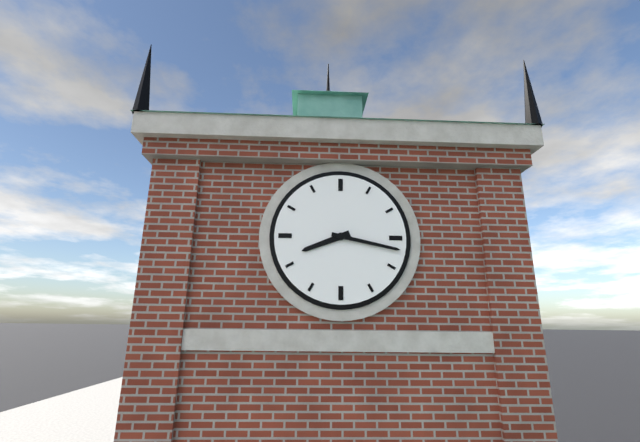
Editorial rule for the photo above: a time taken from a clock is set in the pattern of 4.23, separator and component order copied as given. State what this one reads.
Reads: 8.17
